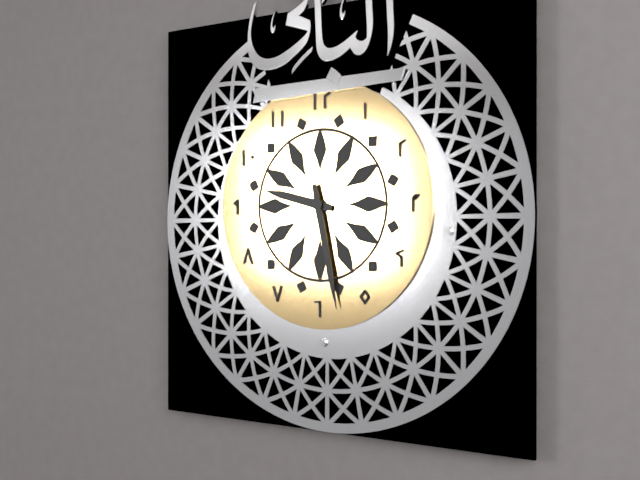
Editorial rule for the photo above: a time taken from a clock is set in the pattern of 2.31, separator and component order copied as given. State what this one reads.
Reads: 9.28
